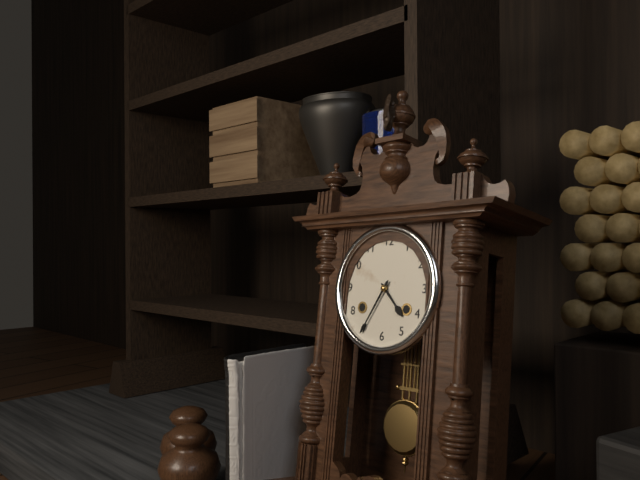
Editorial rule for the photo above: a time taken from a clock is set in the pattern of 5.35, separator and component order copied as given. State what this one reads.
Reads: 4.35
